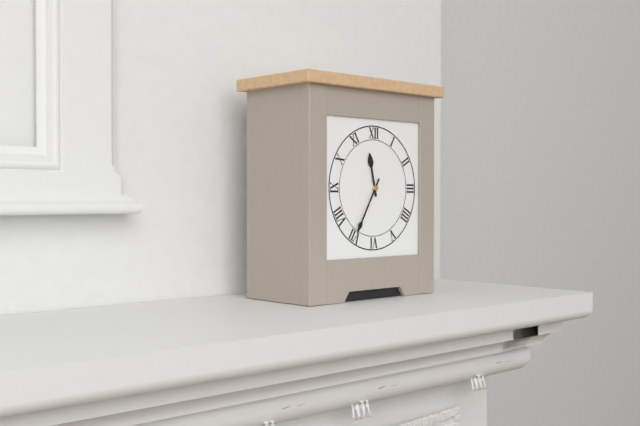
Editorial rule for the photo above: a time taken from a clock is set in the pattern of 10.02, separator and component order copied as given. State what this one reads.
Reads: 11.35
